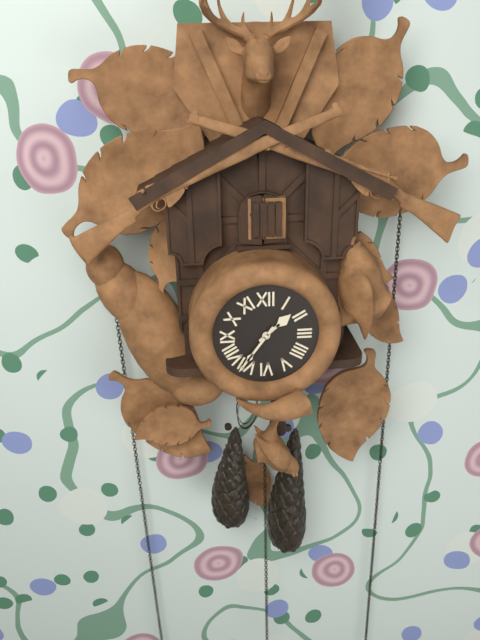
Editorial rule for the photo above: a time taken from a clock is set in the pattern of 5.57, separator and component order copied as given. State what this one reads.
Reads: 1.36
